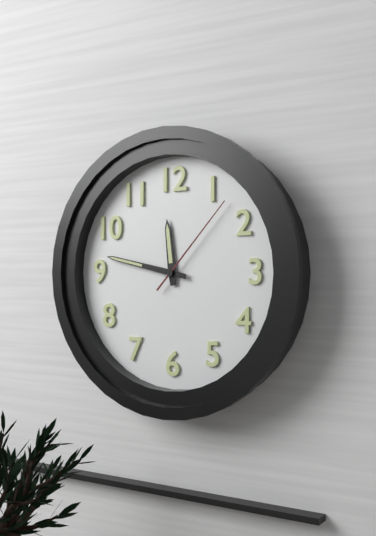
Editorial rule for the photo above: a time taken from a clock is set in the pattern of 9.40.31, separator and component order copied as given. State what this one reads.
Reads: 11.47.07
